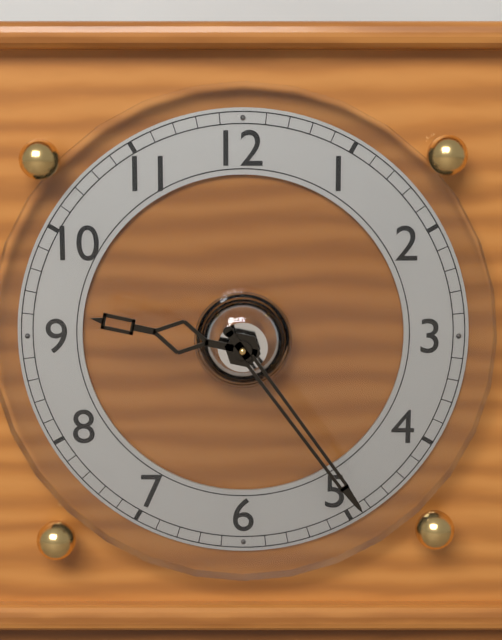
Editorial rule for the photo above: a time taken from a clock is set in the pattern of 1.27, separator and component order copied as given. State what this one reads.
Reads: 9.24
